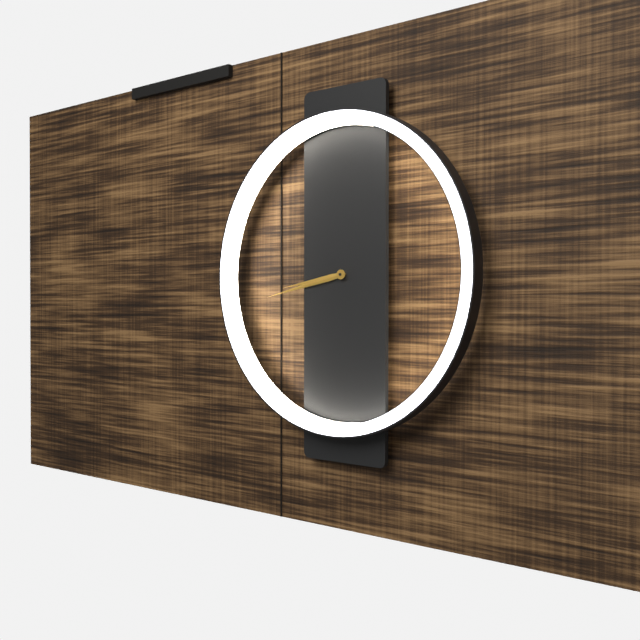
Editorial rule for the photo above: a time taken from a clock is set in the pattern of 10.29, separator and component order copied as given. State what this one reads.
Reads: 8.43
